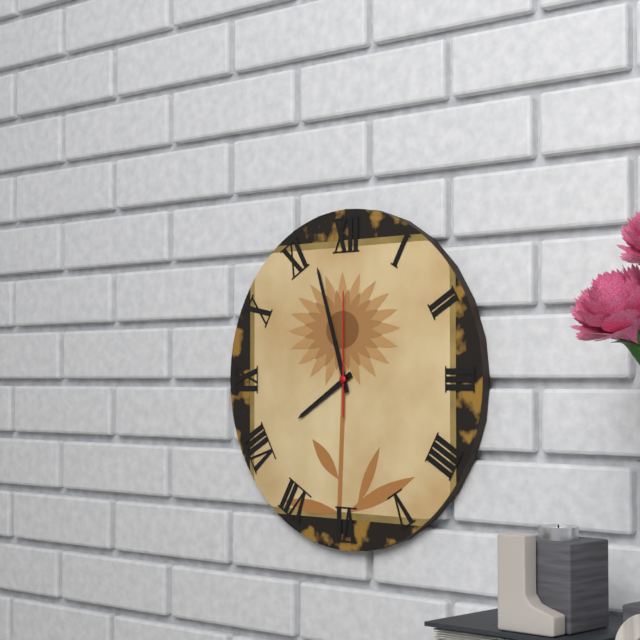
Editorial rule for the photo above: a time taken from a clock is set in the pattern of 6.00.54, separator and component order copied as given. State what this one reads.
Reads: 7.57.00
